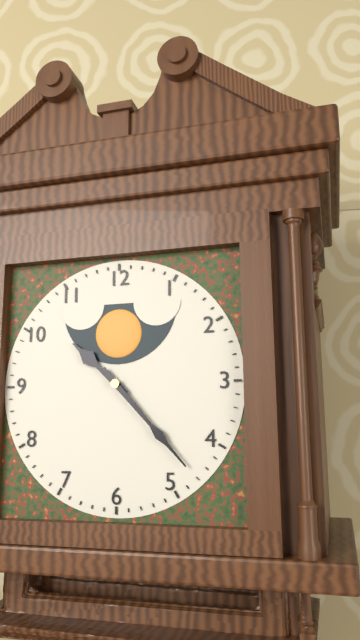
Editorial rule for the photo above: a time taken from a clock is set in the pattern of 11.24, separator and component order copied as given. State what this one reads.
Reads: 10.23
